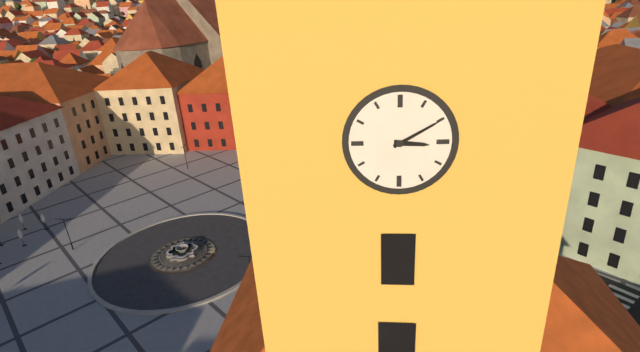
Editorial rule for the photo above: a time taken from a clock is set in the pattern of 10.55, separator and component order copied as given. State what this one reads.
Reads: 3.10
